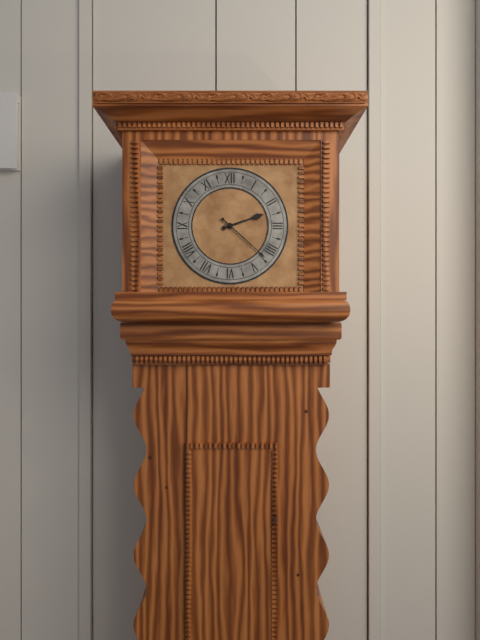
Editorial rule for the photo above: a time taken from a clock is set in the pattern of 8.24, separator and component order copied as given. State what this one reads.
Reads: 2.22
